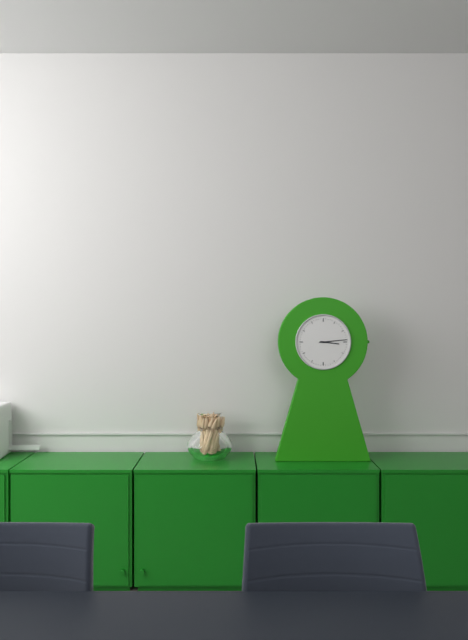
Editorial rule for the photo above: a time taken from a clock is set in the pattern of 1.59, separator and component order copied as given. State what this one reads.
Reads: 3.14
